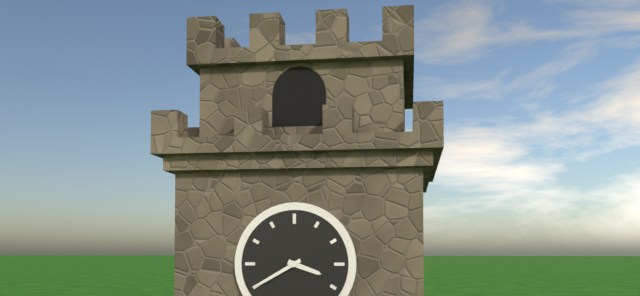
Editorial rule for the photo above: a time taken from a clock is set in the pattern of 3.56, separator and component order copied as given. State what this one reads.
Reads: 3.40
